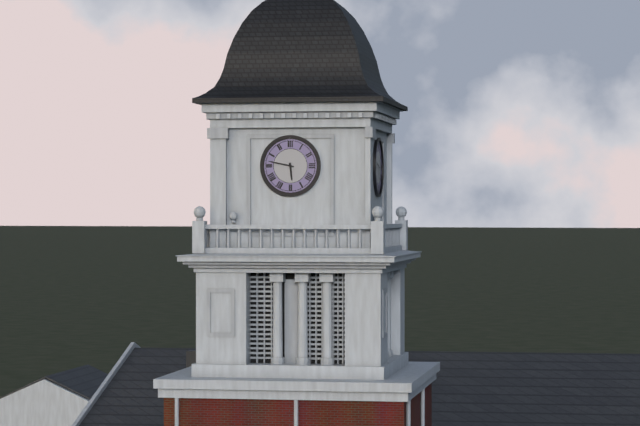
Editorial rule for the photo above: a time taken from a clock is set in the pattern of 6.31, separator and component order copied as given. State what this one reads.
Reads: 5.47
